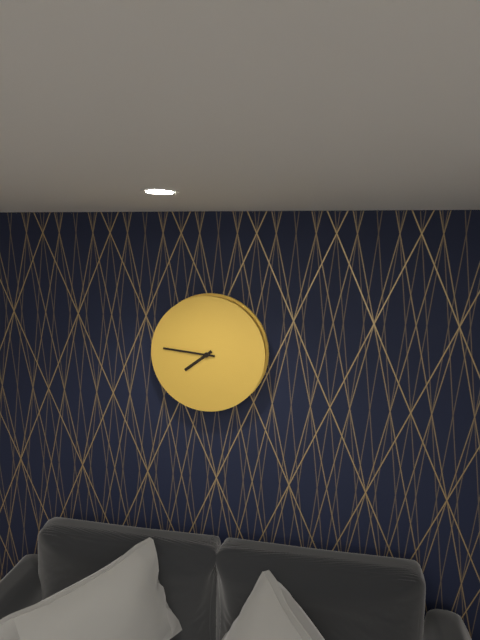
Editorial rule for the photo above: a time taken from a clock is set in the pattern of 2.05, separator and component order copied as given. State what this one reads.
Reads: 7.46
